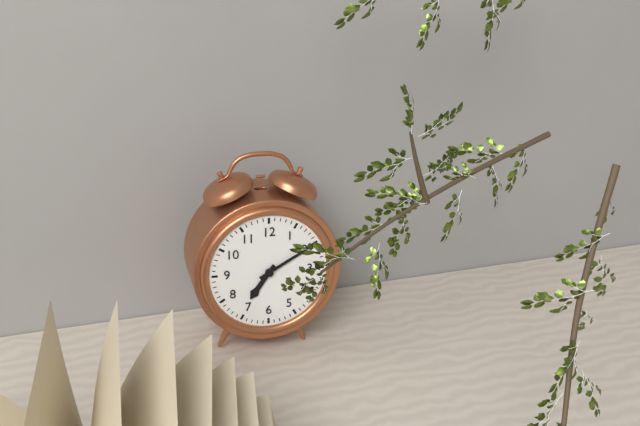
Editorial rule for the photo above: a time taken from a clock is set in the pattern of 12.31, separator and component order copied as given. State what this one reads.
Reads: 7.10
